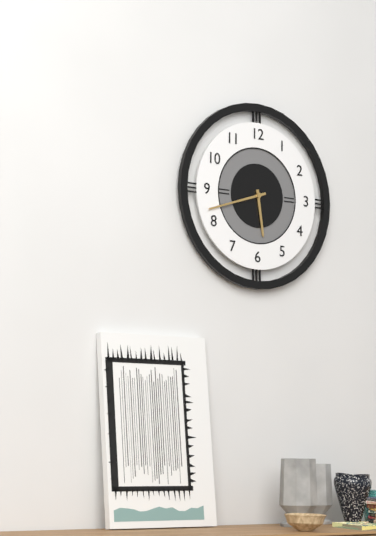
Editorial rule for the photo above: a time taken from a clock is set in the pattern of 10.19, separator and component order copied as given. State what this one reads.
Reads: 5.42
